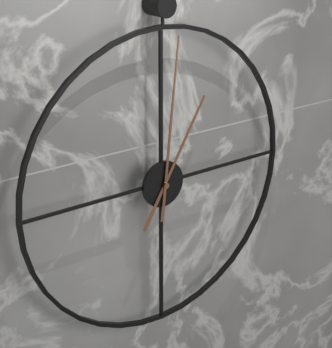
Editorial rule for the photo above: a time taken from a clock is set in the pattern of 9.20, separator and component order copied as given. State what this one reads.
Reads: 1.01
